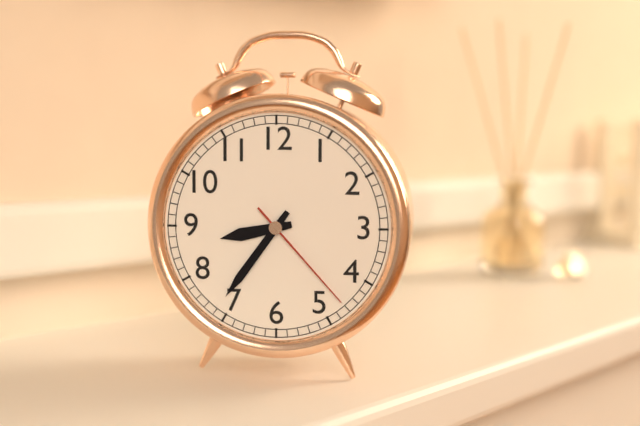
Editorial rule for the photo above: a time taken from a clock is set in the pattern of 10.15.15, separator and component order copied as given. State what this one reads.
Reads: 8.36.23
